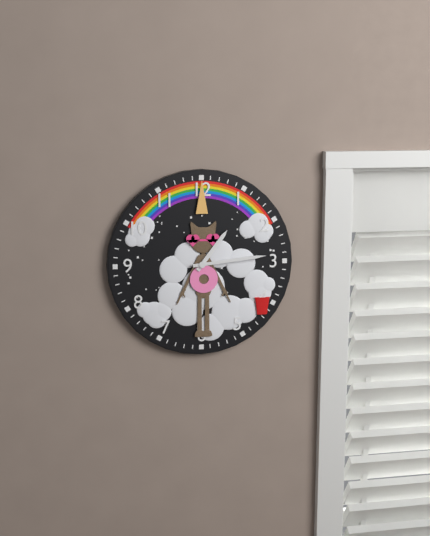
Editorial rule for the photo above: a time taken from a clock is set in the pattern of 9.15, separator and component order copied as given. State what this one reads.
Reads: 1.14
